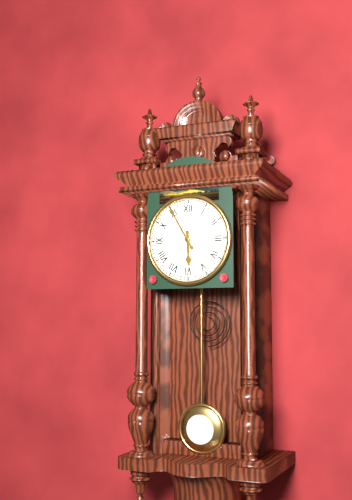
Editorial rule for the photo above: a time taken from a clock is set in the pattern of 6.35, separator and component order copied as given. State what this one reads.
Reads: 5.55
